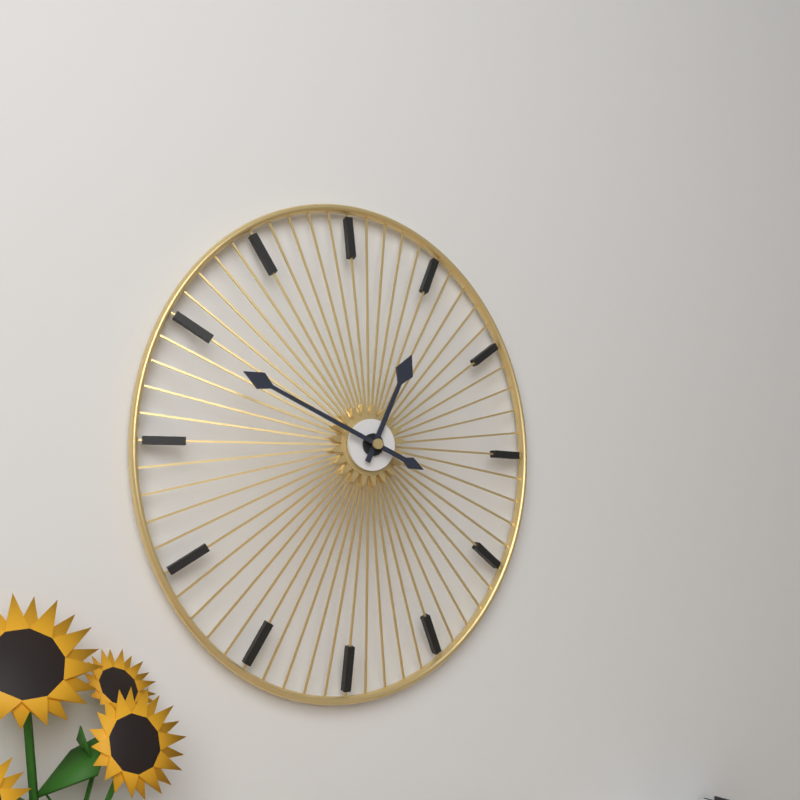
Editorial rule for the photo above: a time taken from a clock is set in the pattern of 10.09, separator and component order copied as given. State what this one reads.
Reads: 12.49
